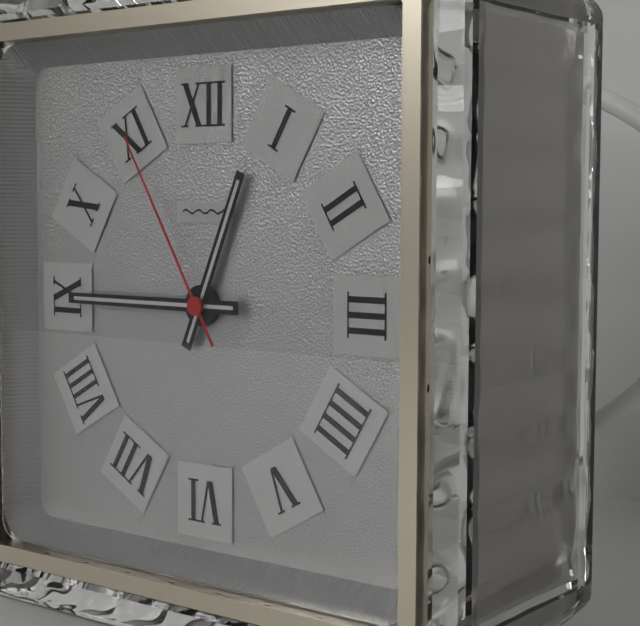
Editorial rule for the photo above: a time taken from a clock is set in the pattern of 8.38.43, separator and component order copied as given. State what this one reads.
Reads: 12.45.55
